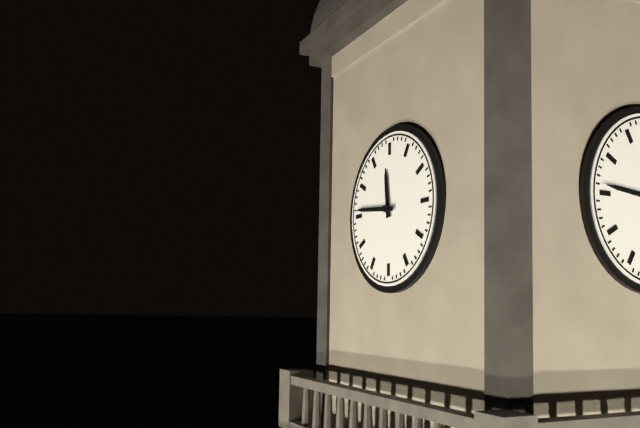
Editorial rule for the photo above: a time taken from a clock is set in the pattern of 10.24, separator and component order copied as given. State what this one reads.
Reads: 11.46
